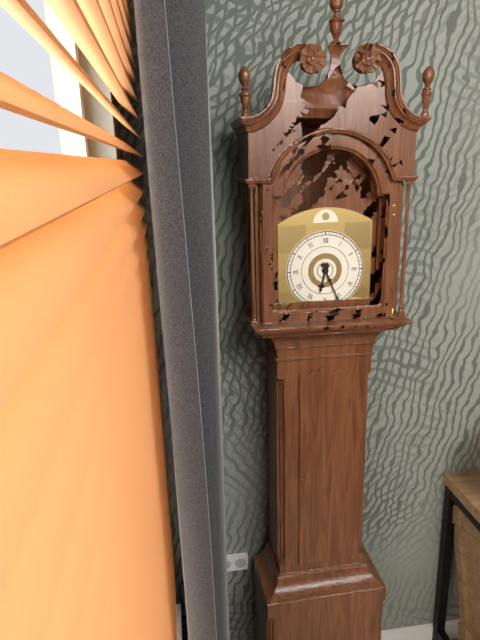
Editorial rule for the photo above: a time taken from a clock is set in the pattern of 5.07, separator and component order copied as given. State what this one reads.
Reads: 6.26
